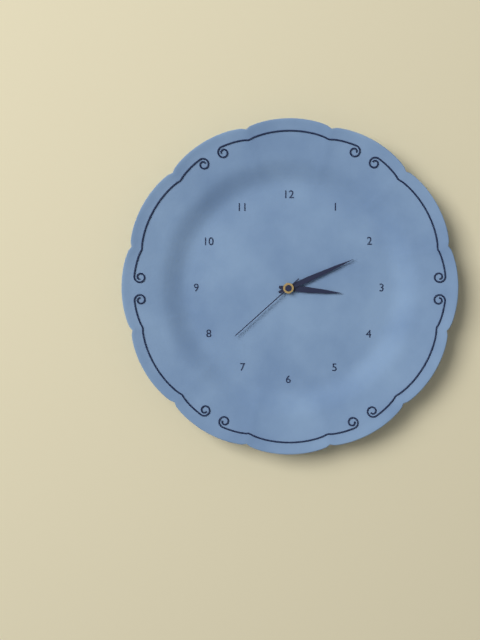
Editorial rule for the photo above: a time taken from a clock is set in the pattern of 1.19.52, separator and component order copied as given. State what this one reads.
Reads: 3.11.38
